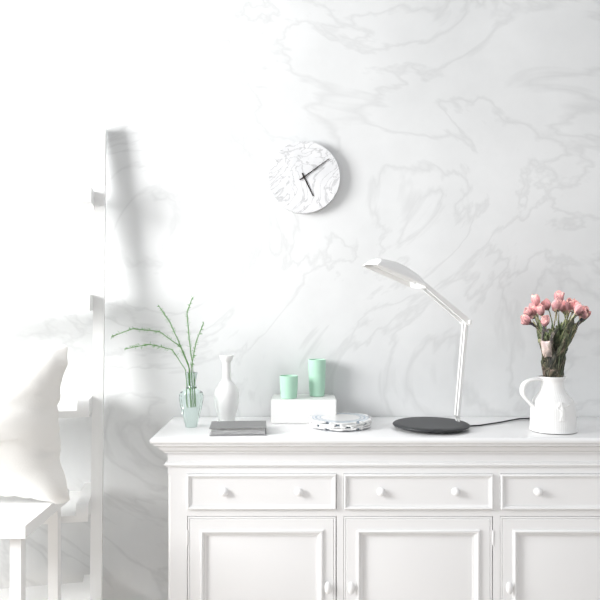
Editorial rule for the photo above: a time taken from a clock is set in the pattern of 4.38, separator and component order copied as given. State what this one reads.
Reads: 5.09
